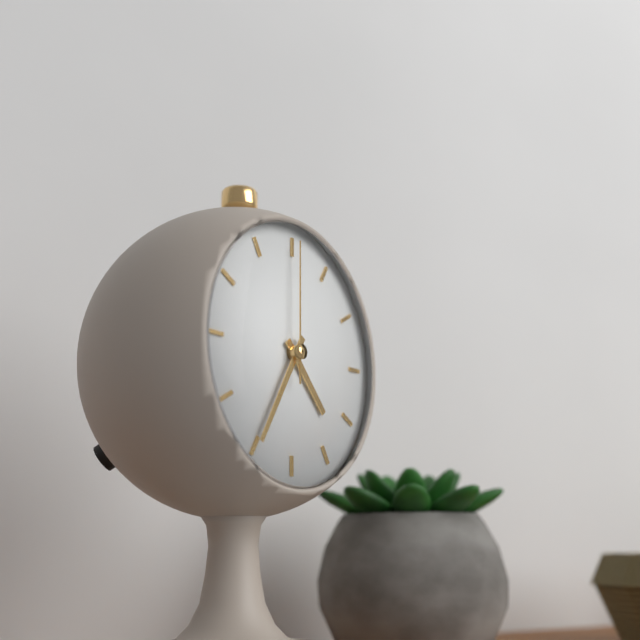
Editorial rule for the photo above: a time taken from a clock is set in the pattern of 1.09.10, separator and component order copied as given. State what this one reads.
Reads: 4.35.00
